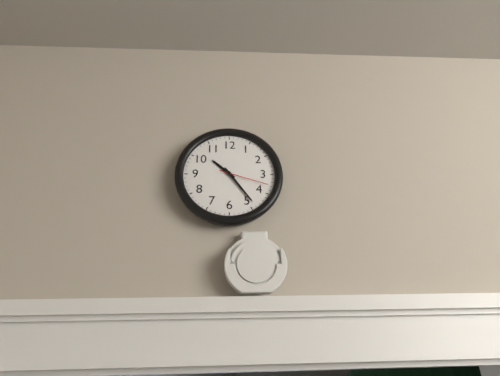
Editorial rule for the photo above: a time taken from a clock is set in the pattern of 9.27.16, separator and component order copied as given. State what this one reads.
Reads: 10.24.18
